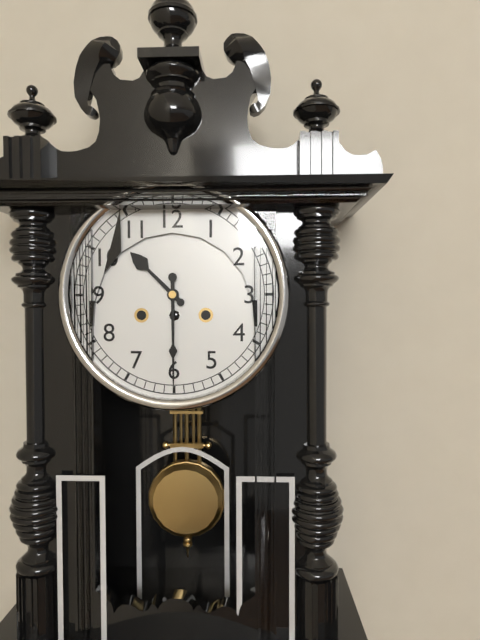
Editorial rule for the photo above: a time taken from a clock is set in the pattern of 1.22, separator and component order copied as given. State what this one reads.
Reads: 10.30
